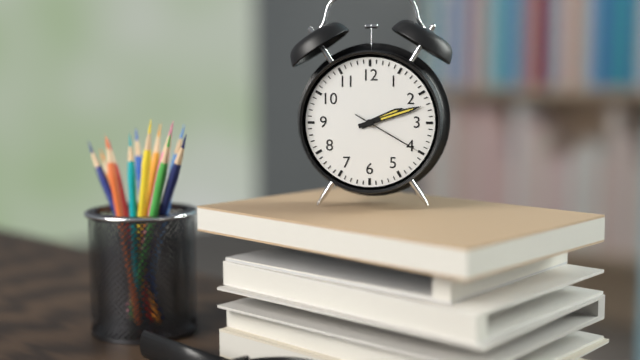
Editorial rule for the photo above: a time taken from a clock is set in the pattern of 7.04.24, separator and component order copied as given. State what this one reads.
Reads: 2.12.20
